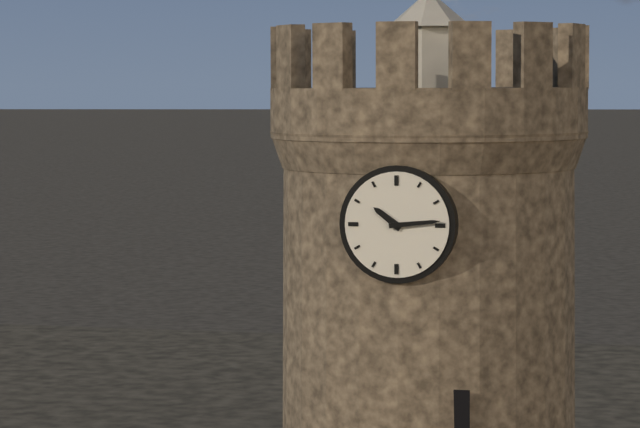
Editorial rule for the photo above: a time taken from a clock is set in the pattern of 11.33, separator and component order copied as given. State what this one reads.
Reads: 10.14
